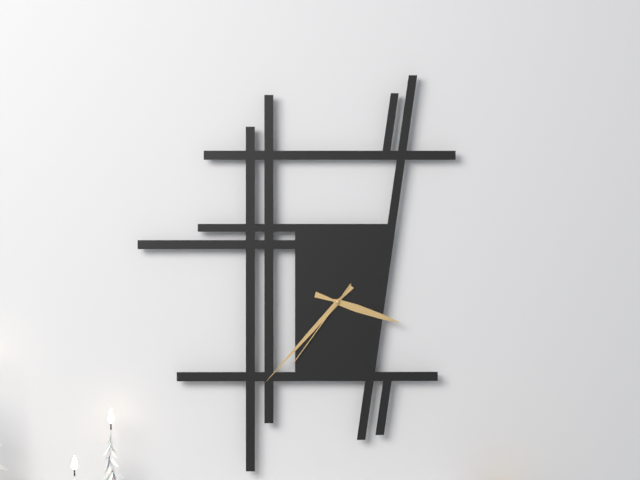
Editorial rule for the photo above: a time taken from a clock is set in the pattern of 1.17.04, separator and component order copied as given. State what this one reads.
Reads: 3.37.36
